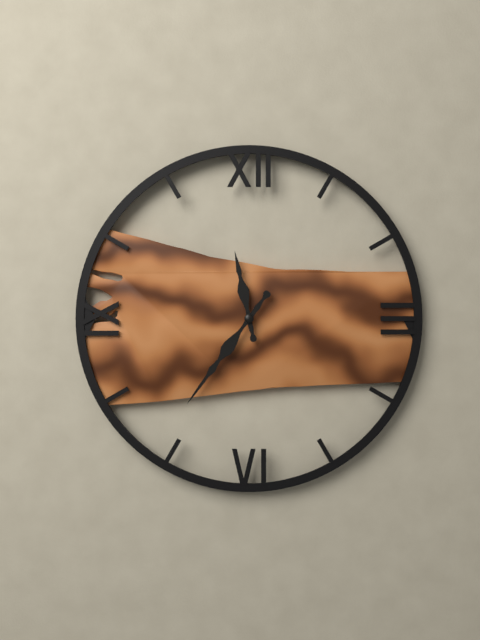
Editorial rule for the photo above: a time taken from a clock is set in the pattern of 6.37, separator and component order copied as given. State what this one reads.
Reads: 11.36
